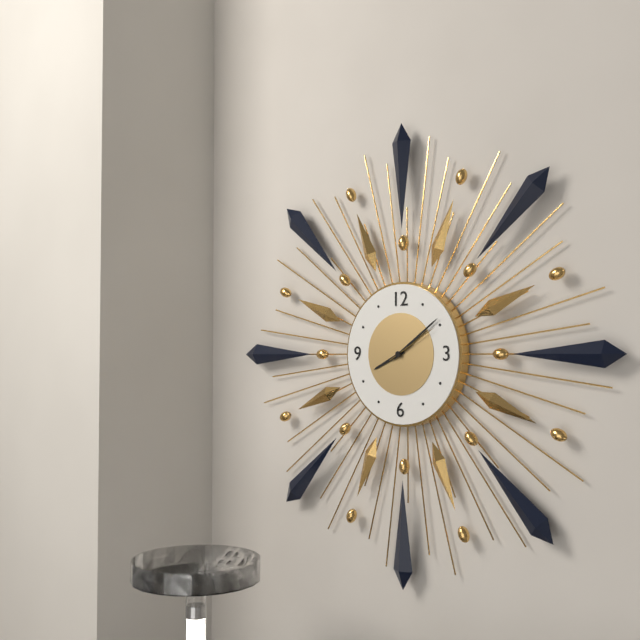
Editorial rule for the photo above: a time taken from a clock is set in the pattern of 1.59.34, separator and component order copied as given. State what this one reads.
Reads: 8.09.10
